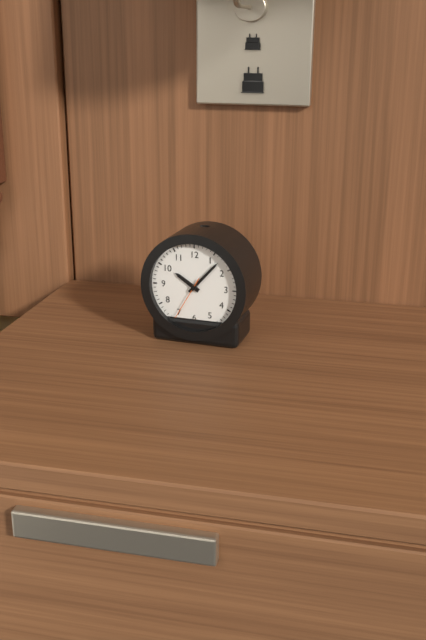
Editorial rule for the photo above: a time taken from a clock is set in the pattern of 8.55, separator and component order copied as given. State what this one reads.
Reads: 10.07
